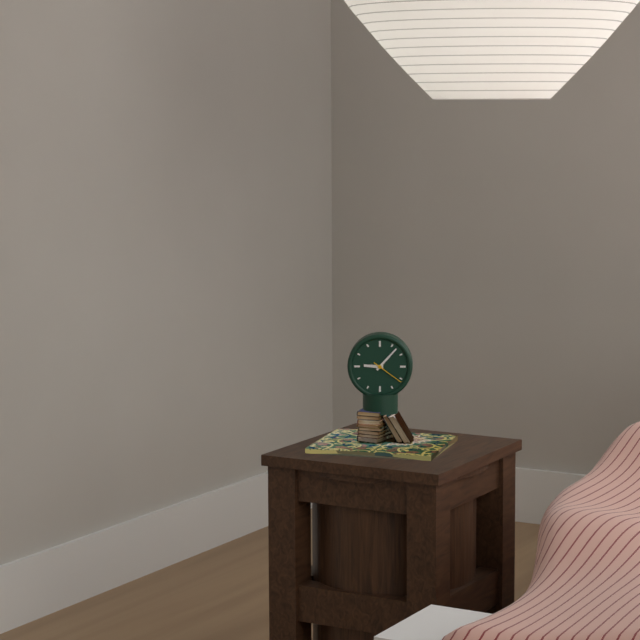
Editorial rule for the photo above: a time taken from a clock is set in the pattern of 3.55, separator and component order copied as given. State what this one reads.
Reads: 9.07
